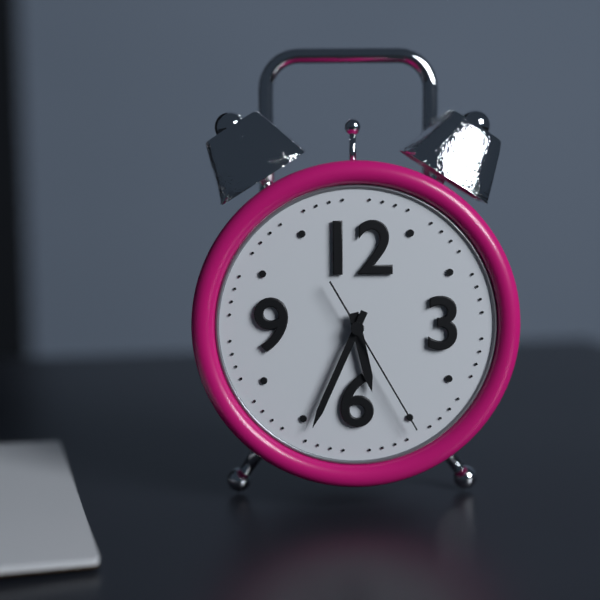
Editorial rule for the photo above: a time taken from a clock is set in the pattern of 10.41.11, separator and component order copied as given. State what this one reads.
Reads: 5.34.25
